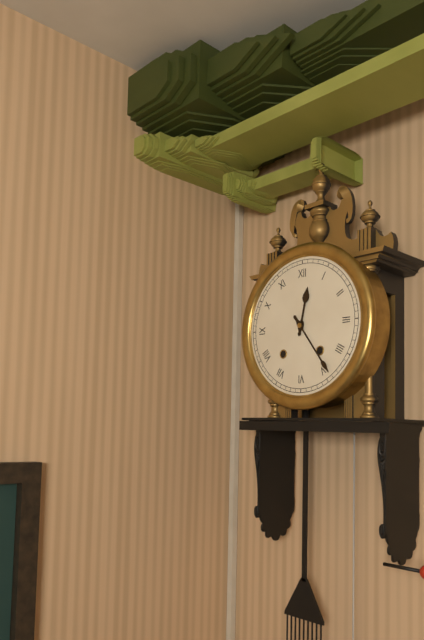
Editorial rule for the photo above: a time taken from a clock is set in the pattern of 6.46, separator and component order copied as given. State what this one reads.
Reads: 12.24
